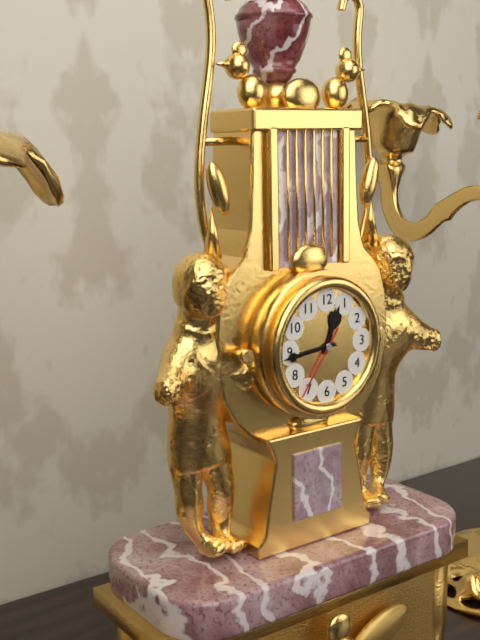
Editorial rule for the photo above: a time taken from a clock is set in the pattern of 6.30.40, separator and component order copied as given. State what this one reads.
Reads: 12.44.36
